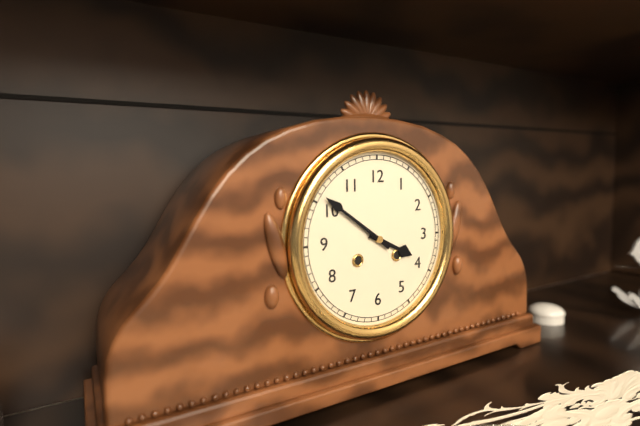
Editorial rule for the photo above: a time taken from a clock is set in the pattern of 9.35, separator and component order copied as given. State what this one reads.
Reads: 3.51
